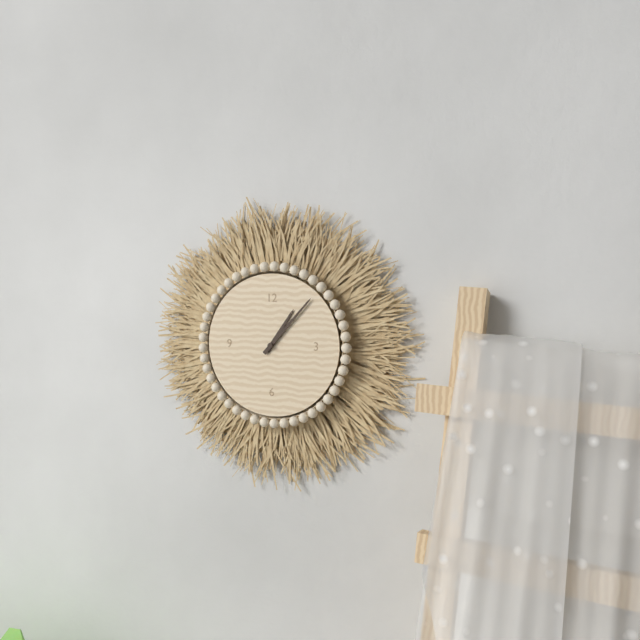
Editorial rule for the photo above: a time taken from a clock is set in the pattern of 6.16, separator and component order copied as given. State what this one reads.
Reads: 1.07
